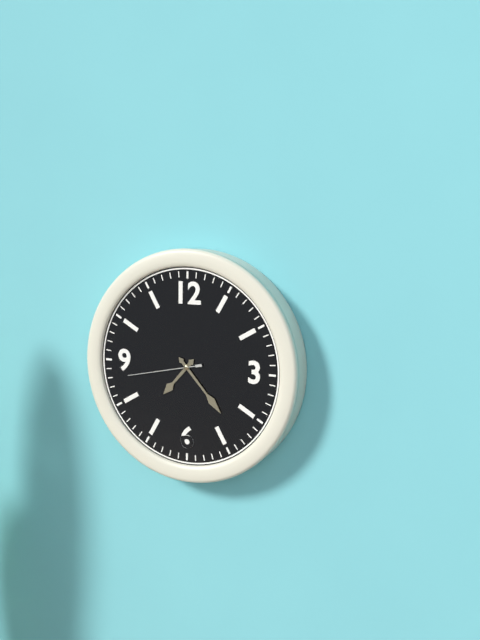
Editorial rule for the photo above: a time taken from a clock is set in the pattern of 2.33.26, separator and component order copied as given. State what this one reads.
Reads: 7.23.43
